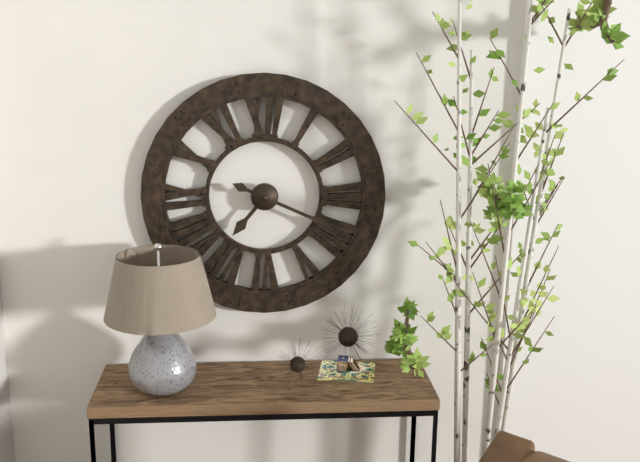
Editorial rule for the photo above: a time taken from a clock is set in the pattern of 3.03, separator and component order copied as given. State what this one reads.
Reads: 7.19
